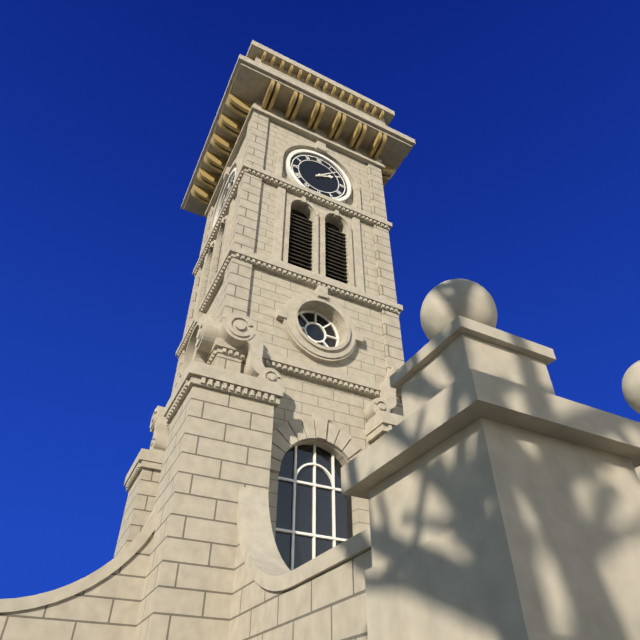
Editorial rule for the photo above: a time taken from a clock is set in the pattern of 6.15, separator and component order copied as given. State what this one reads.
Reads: 2.08
